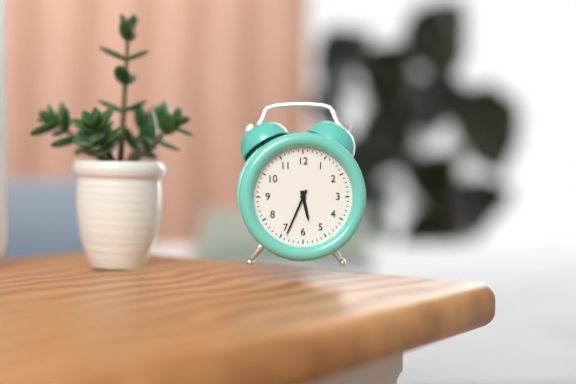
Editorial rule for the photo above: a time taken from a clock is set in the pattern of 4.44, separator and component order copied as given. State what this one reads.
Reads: 5.34
